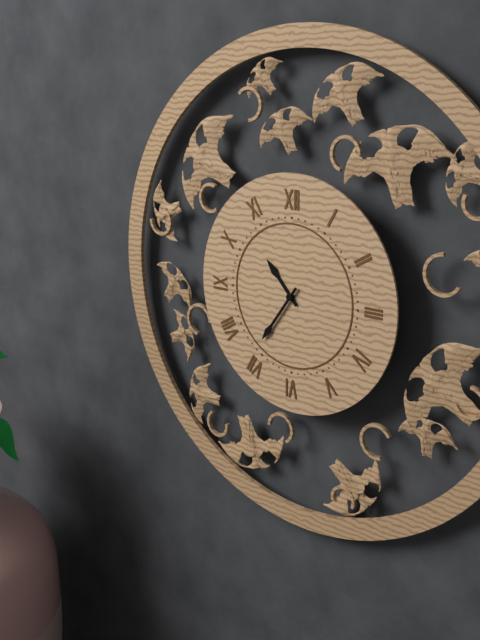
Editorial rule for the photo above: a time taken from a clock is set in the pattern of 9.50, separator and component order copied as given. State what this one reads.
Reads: 10.36
